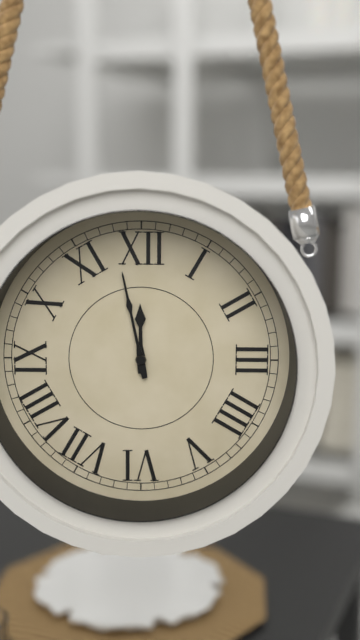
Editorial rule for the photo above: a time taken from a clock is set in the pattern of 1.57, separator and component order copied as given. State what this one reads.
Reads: 11.58
